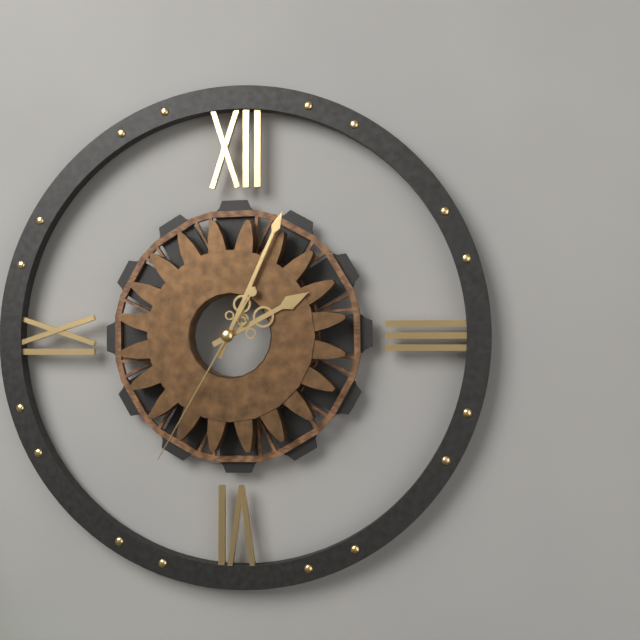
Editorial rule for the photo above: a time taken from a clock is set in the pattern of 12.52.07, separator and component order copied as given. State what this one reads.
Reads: 2.04.35
